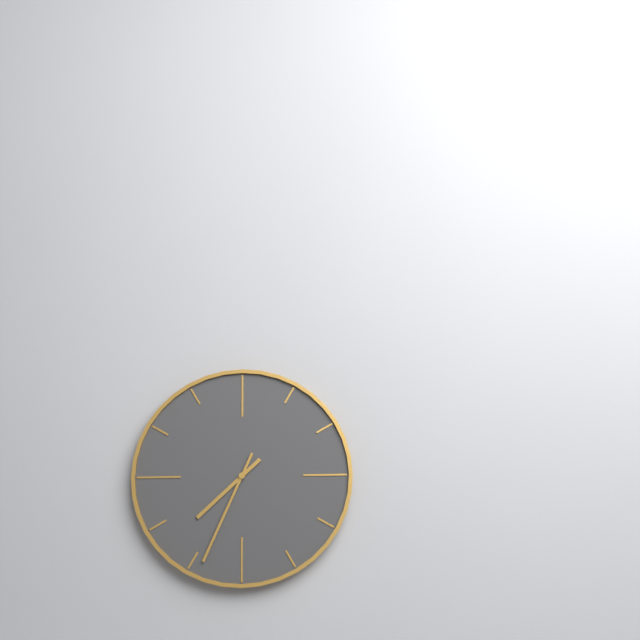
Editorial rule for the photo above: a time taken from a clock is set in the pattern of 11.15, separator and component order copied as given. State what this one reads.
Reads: 7.34
